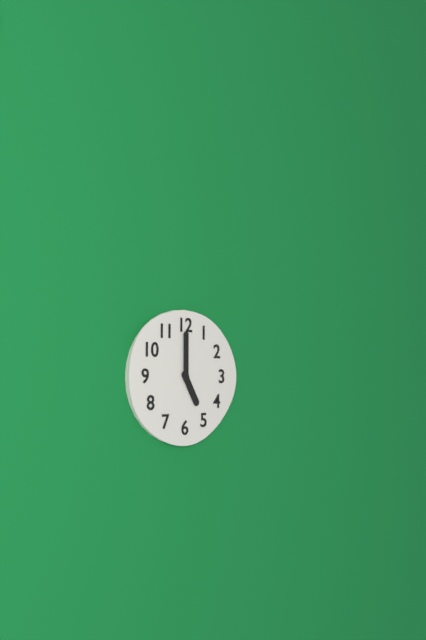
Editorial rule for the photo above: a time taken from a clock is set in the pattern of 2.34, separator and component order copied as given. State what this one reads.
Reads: 5.00
